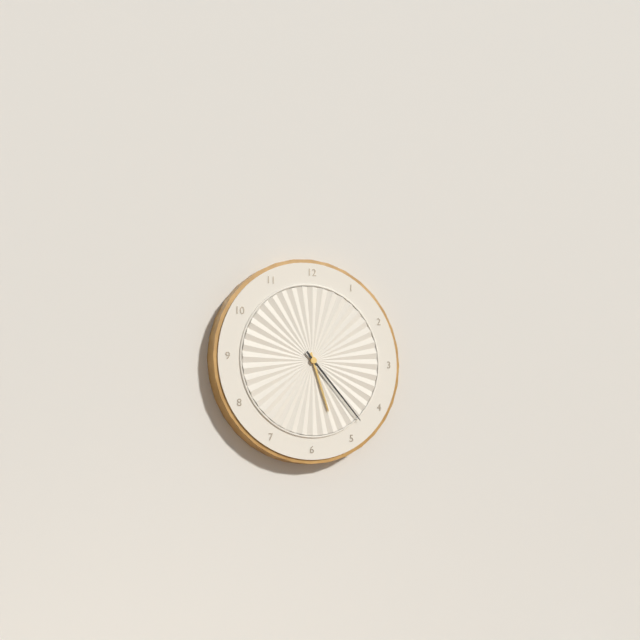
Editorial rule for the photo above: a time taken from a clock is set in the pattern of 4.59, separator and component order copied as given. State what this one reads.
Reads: 5.23
